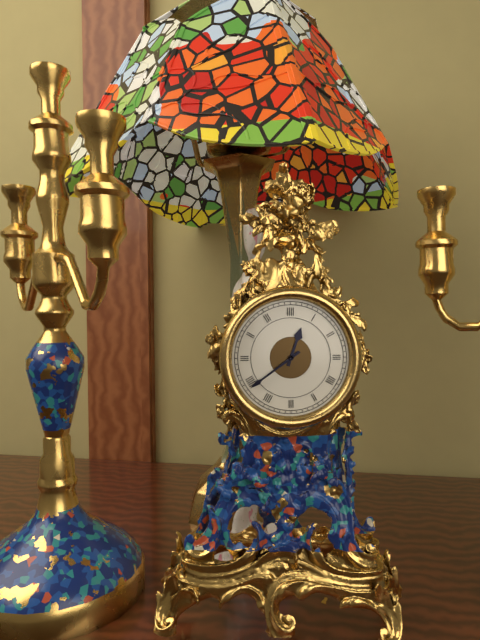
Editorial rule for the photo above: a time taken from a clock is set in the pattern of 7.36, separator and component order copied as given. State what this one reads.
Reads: 12.39
